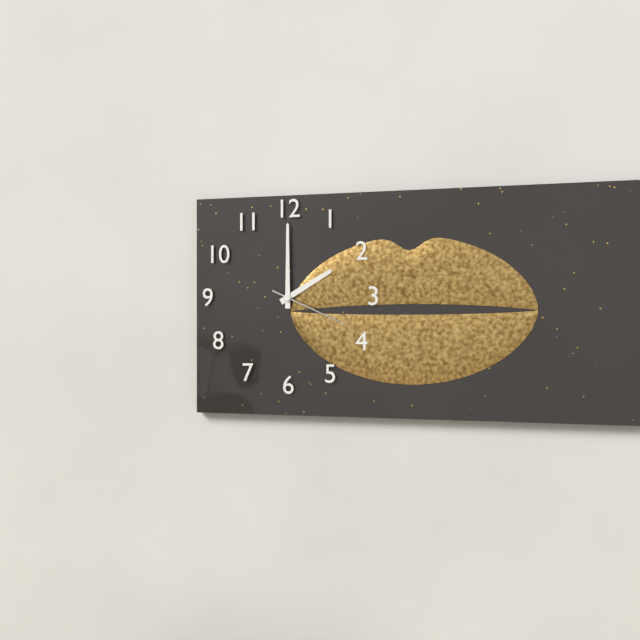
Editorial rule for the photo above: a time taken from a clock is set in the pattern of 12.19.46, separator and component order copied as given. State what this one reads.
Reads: 2.00.19
